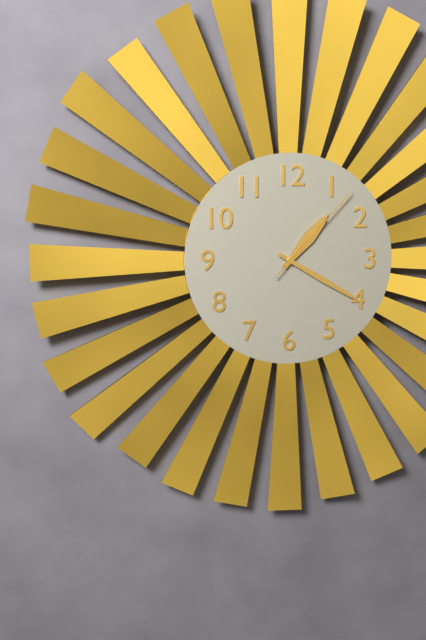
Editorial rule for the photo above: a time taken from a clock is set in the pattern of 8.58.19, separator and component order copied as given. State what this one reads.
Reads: 1.20.07
